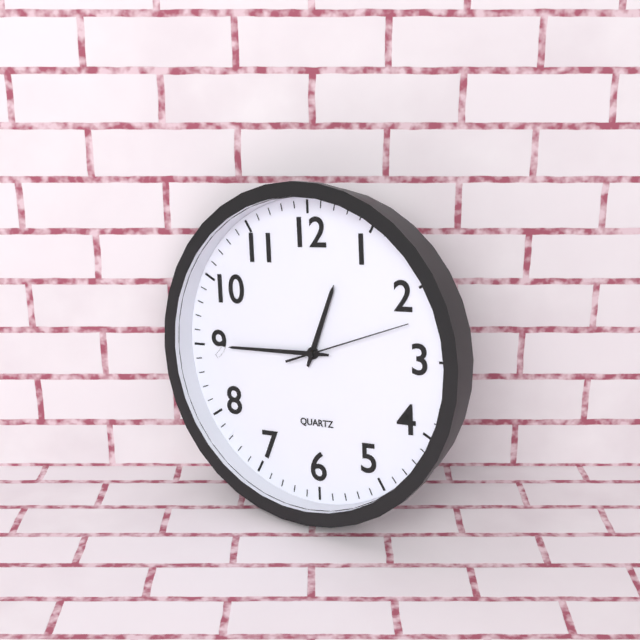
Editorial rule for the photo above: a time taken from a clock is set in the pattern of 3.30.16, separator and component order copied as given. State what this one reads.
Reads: 12.45.12
